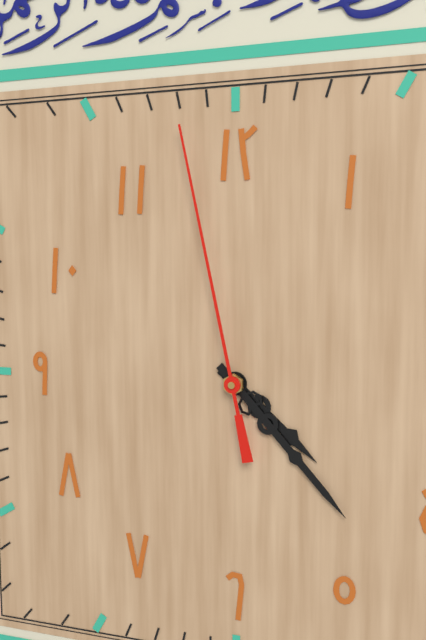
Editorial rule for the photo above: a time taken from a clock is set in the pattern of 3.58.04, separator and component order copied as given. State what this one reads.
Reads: 4.23.58
